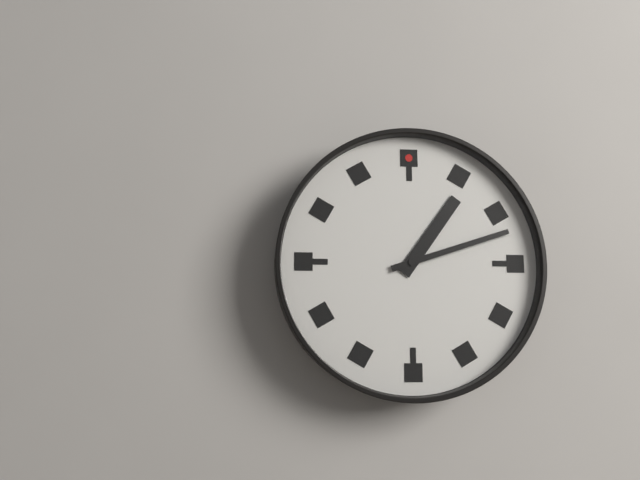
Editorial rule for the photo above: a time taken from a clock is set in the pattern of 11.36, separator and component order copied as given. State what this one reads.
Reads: 1.12
